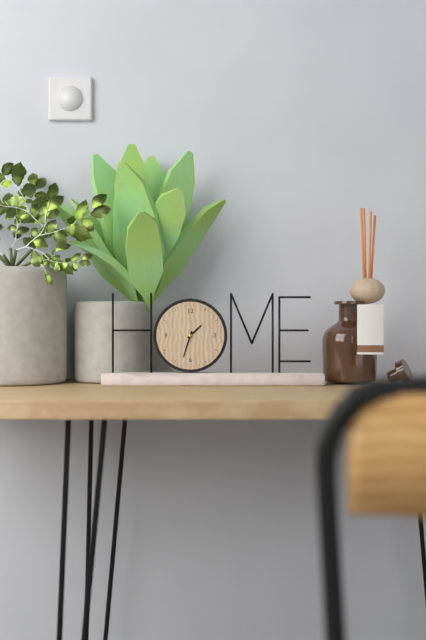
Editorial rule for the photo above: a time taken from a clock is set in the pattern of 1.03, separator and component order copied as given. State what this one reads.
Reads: 1.33
